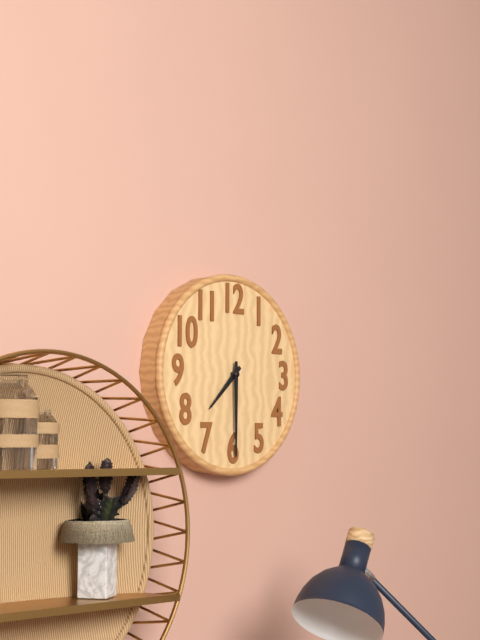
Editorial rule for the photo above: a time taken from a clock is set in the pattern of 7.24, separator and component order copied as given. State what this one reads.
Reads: 7.30
